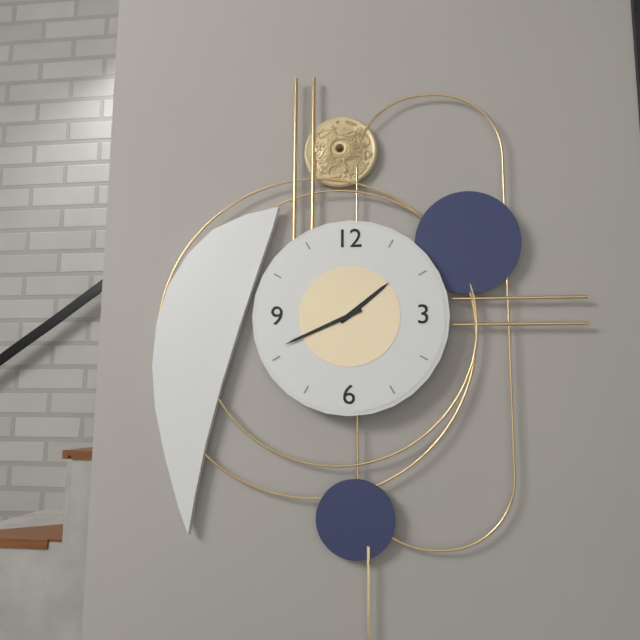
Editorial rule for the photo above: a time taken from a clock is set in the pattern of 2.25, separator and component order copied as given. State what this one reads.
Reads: 1.41
